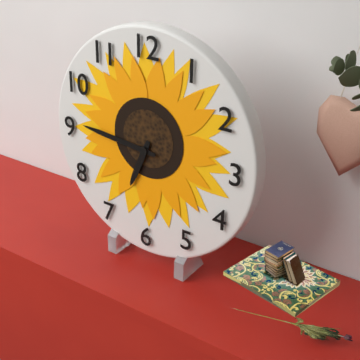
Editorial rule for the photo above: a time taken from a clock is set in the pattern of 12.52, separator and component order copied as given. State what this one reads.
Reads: 6.46
